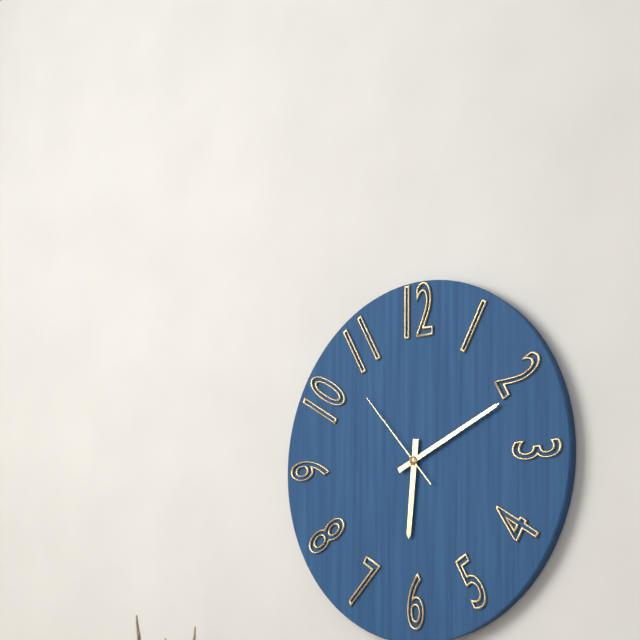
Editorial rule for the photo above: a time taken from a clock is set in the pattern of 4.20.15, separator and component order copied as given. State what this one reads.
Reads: 6.11.53
